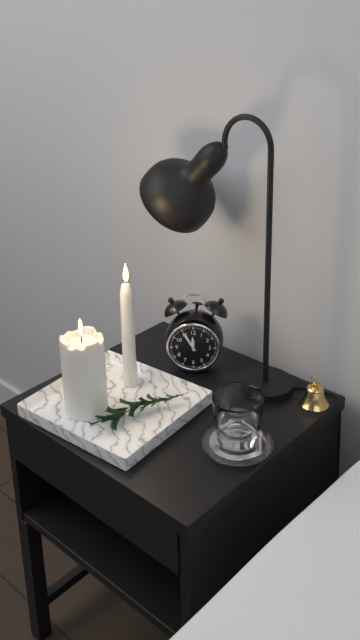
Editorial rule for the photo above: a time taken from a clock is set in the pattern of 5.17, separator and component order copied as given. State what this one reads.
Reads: 11.55
